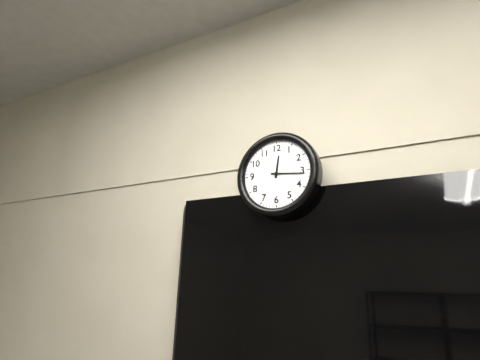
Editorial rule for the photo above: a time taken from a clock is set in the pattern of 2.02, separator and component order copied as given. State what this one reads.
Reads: 12.16
